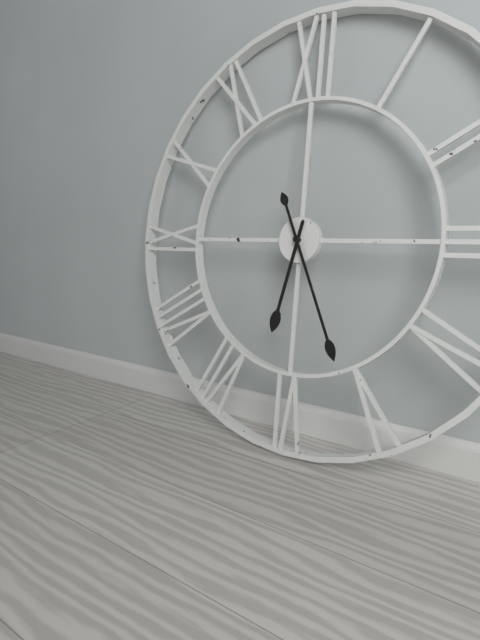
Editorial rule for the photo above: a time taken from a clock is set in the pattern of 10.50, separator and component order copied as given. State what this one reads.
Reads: 6.26
